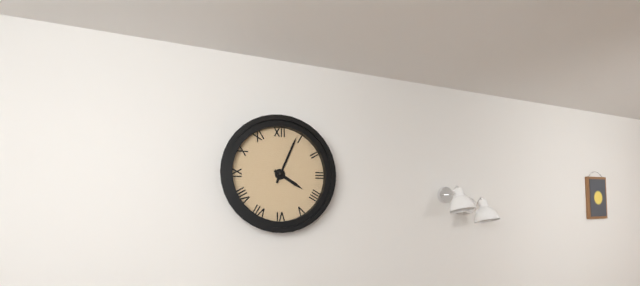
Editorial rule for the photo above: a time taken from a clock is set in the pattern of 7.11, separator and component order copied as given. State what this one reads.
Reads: 4.04
